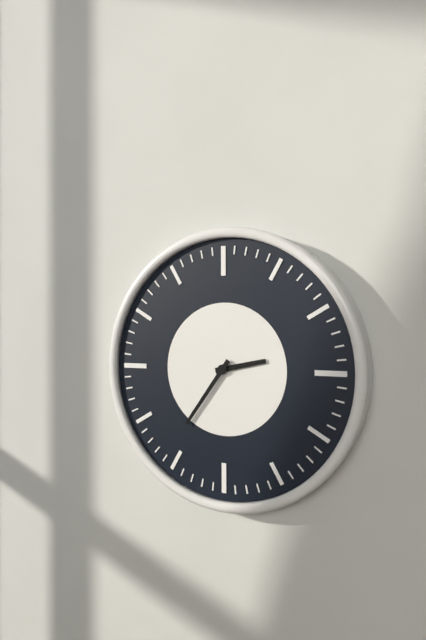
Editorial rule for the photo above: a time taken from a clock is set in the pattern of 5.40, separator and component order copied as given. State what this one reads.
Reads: 2.36
